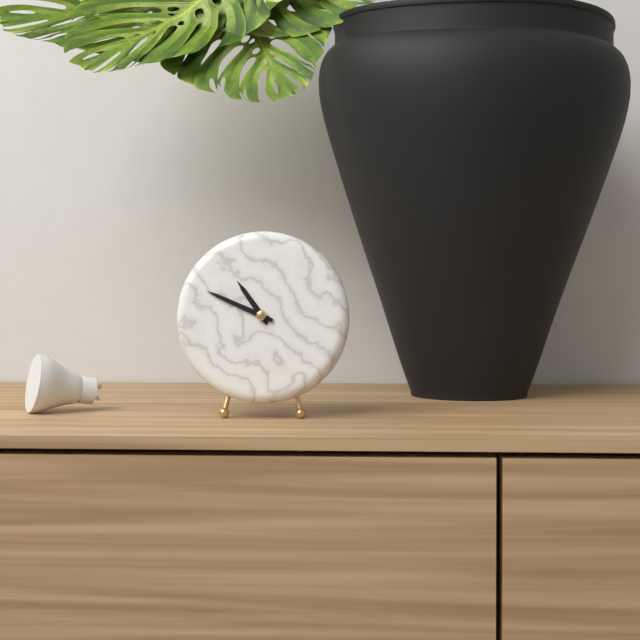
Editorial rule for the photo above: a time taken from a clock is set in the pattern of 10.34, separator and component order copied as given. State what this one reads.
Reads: 10.49
